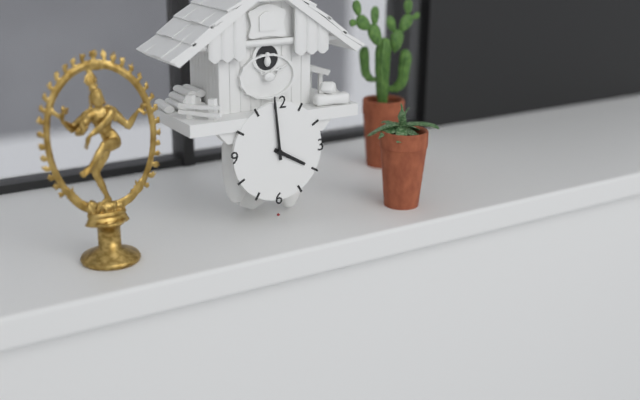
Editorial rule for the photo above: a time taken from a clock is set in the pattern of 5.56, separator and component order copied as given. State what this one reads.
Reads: 3.59
